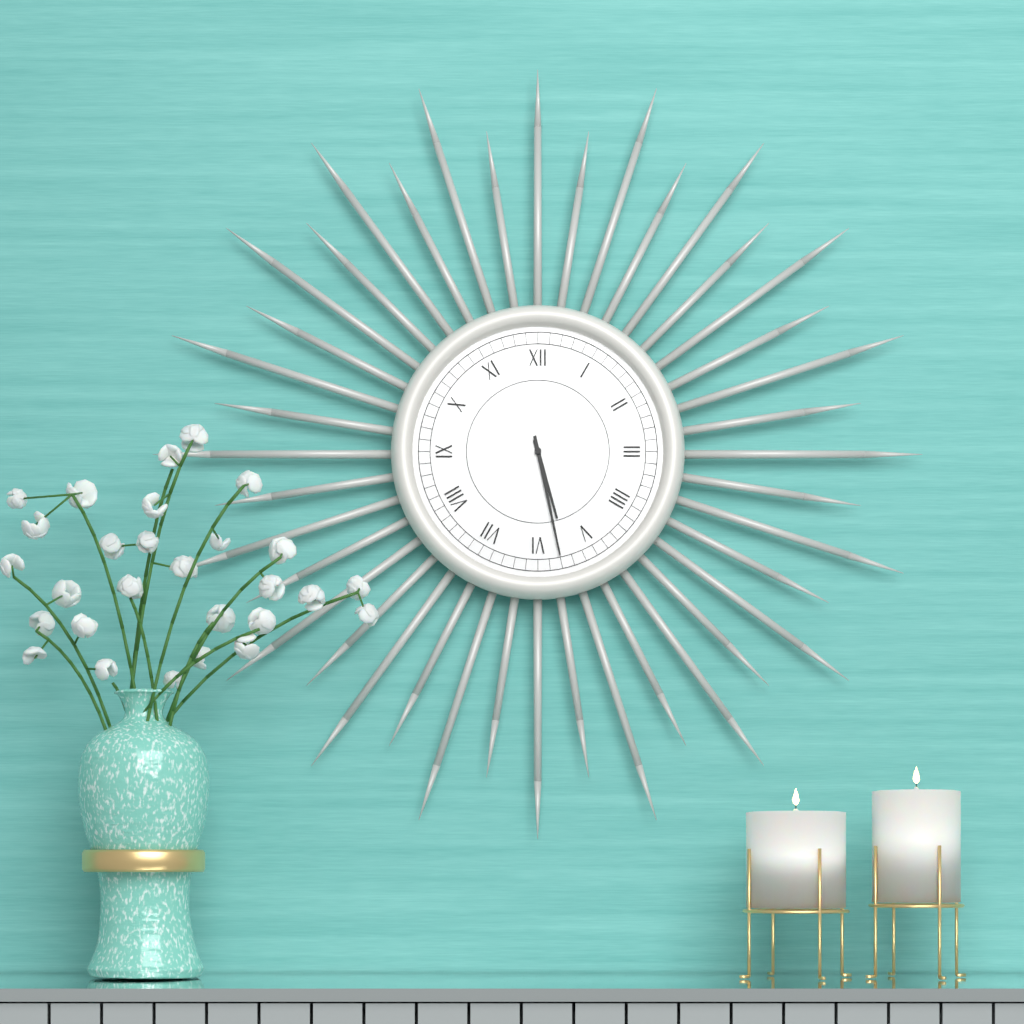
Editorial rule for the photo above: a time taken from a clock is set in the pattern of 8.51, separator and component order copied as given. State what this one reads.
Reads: 5.28
